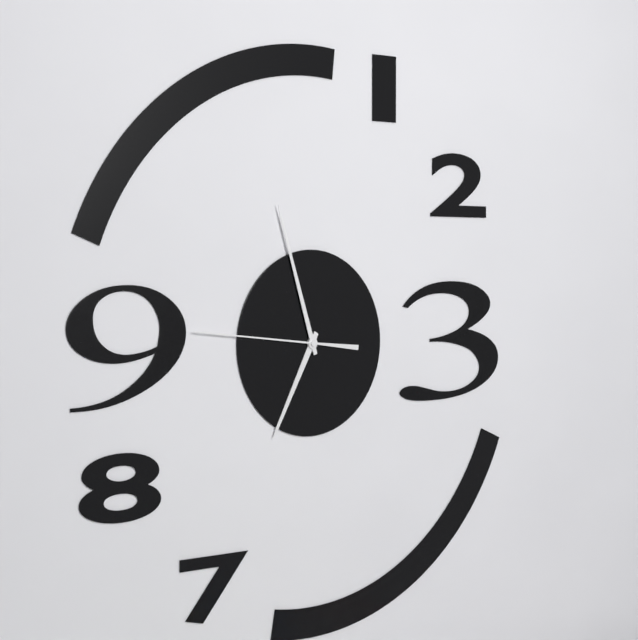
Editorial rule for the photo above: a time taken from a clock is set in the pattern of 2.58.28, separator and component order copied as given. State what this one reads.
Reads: 6.57.46
